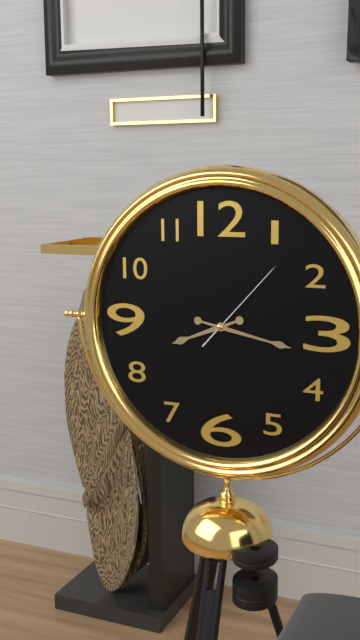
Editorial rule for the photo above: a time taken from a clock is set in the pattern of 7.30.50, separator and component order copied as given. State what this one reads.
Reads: 8.17.07
